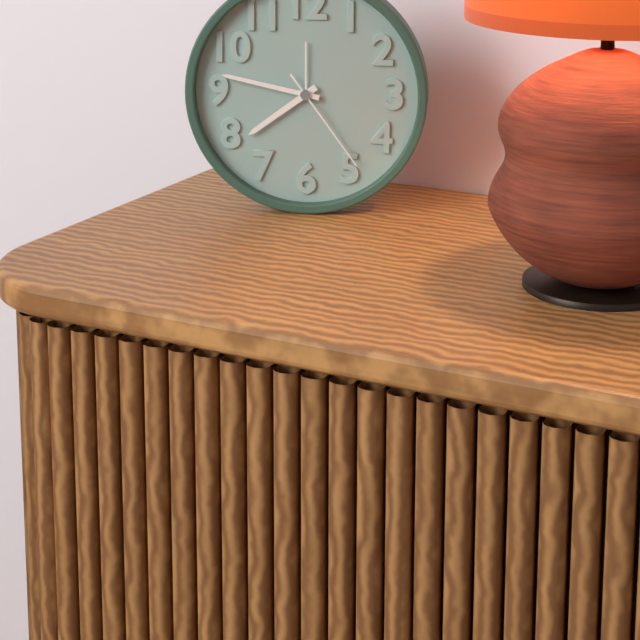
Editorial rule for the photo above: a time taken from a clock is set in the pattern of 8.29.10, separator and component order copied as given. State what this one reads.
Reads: 7.47.24
